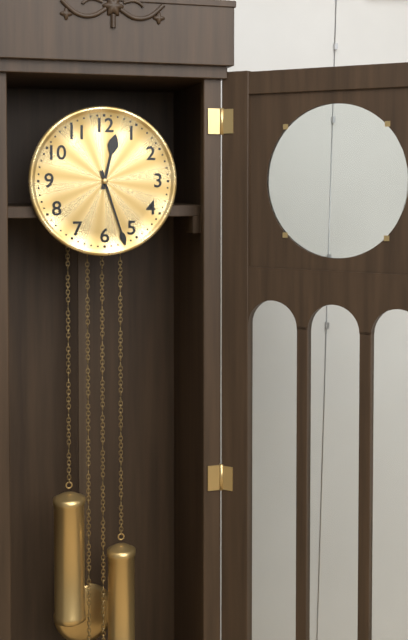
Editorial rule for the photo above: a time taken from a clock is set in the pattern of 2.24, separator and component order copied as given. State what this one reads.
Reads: 12.27
